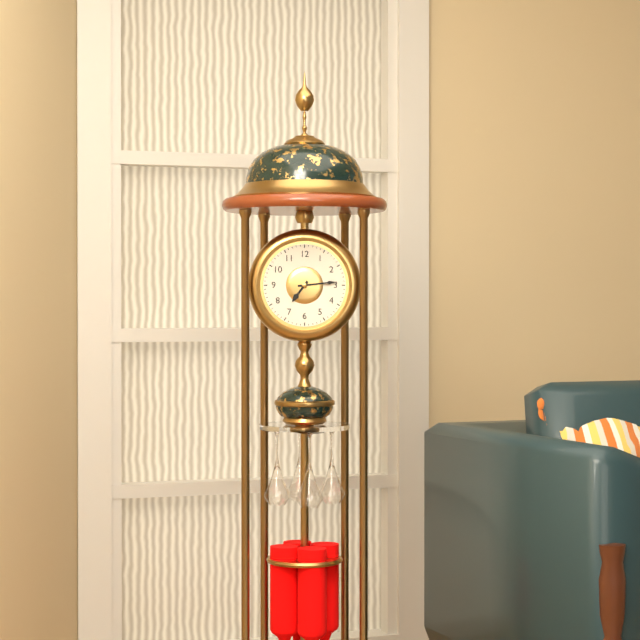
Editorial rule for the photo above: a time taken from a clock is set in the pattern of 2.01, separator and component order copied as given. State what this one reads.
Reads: 7.14
